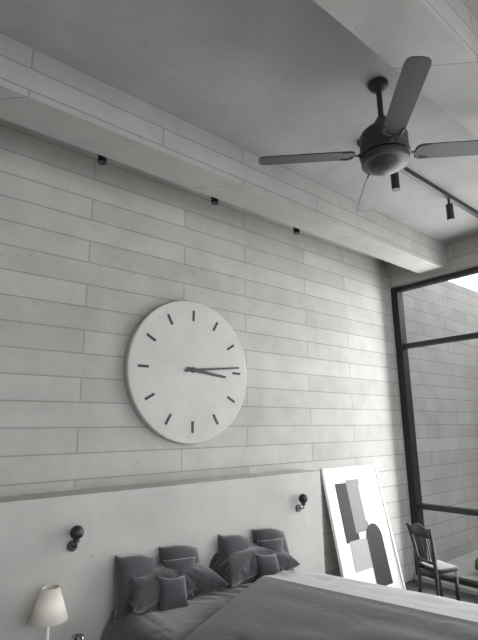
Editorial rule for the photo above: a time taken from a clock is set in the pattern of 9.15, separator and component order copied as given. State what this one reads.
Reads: 3.14
